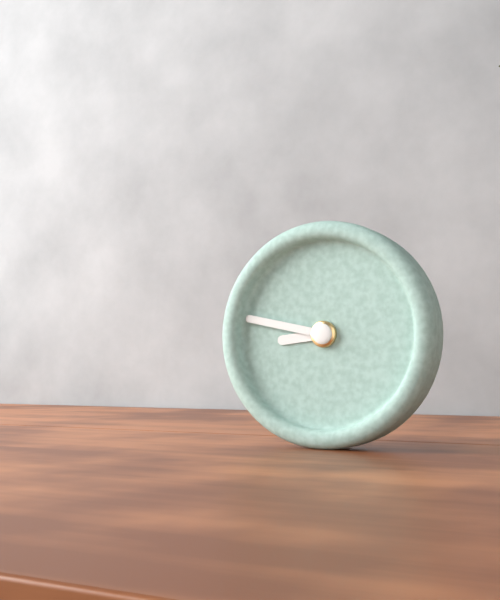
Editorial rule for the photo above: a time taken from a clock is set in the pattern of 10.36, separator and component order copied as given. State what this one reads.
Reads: 8.47
